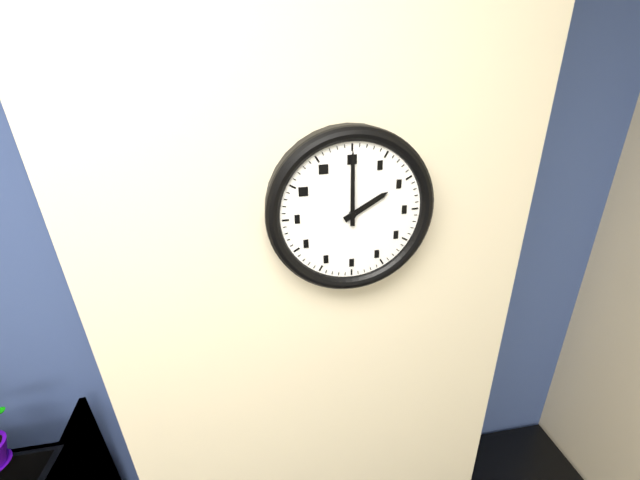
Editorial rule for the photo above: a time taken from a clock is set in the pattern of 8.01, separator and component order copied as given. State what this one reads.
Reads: 2.00
